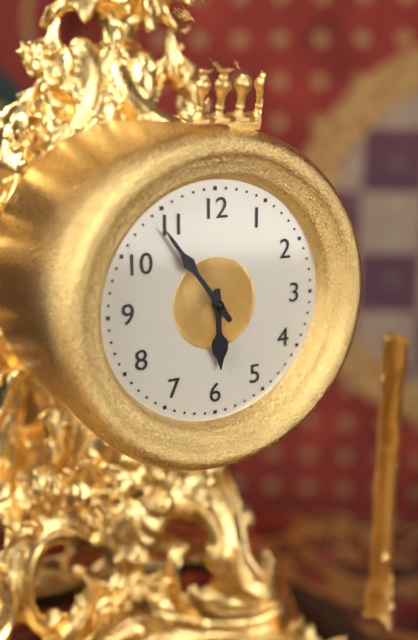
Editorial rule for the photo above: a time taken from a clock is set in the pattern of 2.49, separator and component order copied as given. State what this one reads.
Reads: 5.54
